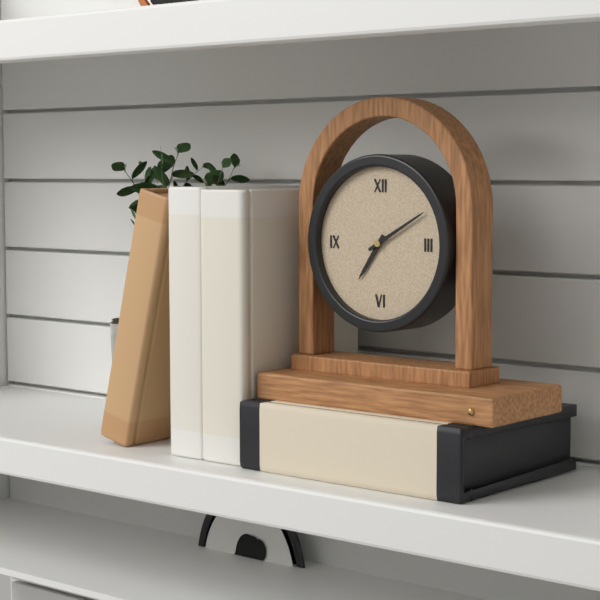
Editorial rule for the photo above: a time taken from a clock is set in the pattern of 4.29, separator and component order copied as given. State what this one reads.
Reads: 7.10
